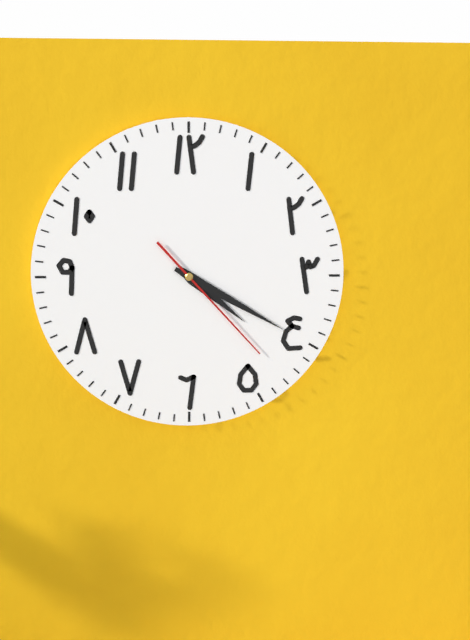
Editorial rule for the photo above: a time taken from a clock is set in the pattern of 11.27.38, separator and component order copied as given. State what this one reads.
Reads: 4.20.23
